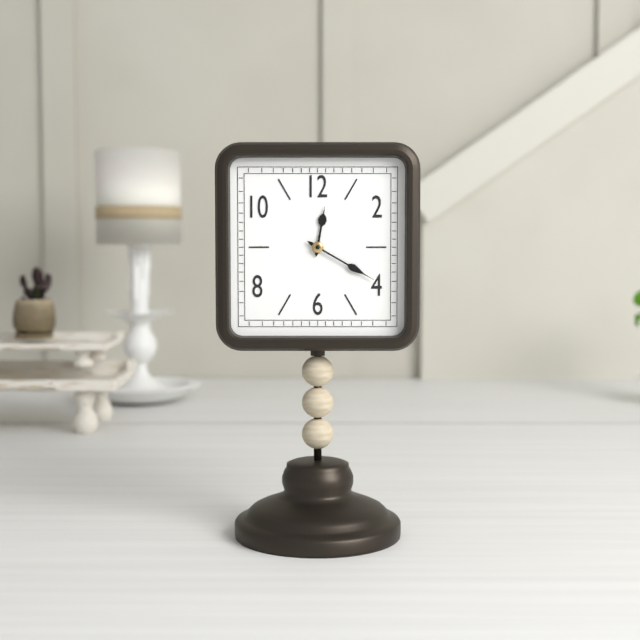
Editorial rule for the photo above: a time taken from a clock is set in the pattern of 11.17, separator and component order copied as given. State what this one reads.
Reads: 12.20
